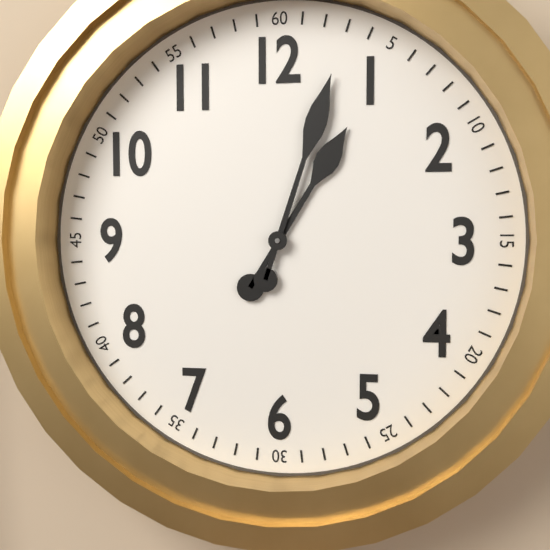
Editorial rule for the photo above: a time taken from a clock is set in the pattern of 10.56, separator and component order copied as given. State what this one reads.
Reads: 1.03
